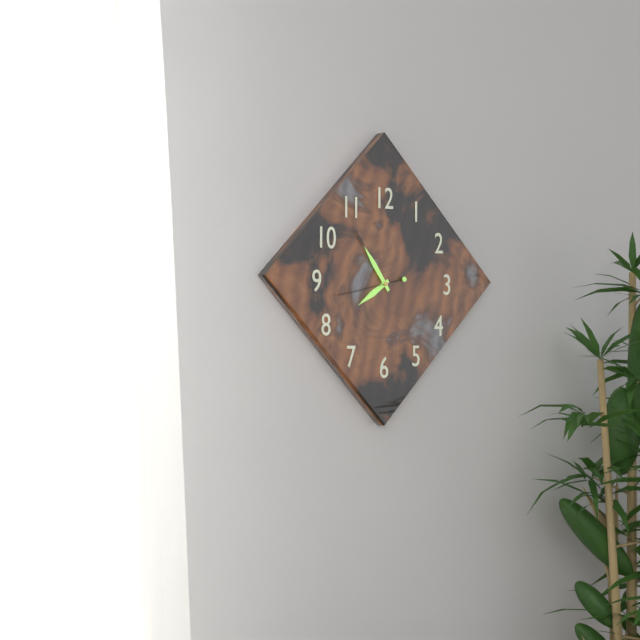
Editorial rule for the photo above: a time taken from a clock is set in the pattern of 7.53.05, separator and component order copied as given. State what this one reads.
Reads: 7.54.43
